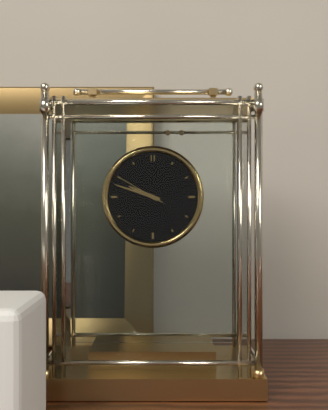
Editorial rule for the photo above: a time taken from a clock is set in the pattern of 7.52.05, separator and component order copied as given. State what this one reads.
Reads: 9.48.50
